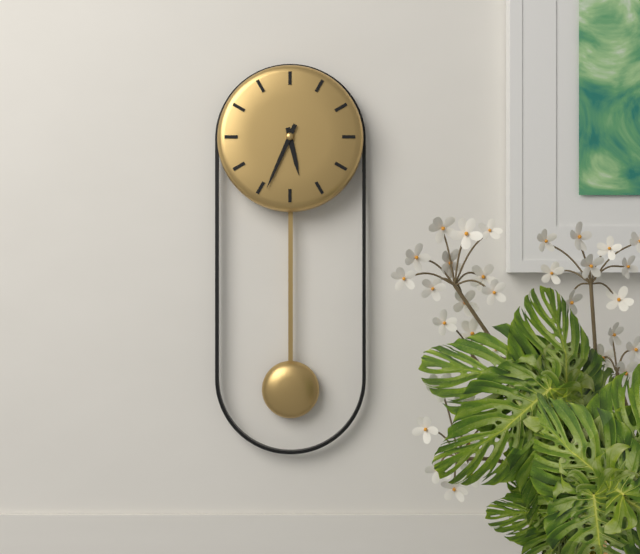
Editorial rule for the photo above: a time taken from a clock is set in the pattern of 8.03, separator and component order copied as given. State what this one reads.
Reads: 5.34
